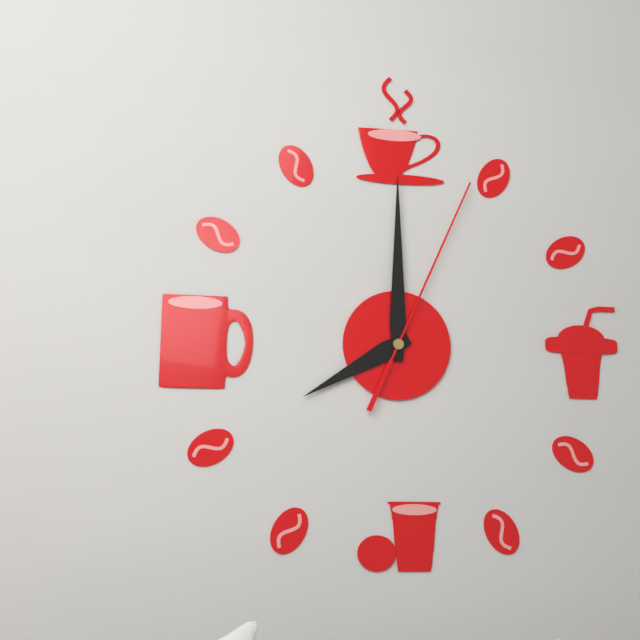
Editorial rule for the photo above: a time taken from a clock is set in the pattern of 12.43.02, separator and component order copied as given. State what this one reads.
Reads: 8.00.04
